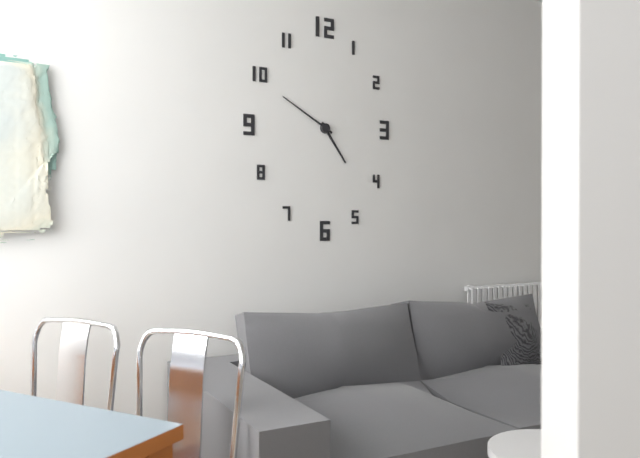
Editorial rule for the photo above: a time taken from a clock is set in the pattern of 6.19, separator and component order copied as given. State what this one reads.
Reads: 4.50
